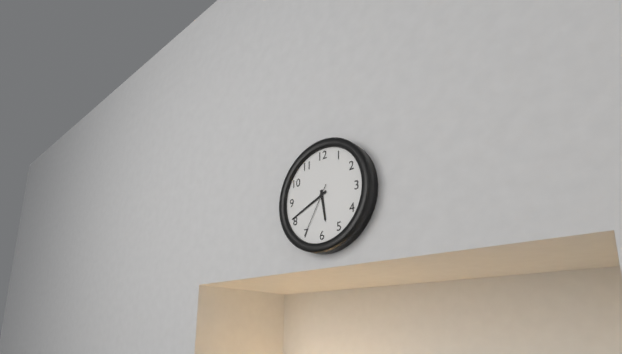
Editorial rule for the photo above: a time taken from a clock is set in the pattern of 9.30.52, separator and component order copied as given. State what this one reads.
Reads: 5.41.35
